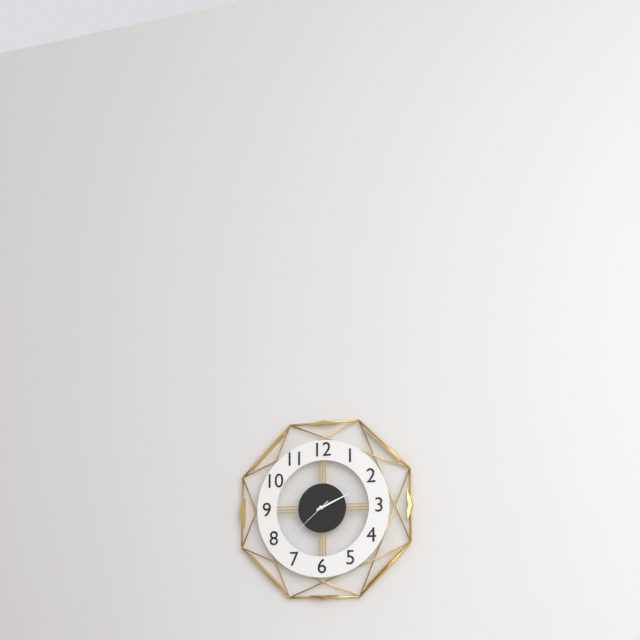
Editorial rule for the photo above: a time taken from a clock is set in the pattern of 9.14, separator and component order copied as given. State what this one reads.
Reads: 2.11
